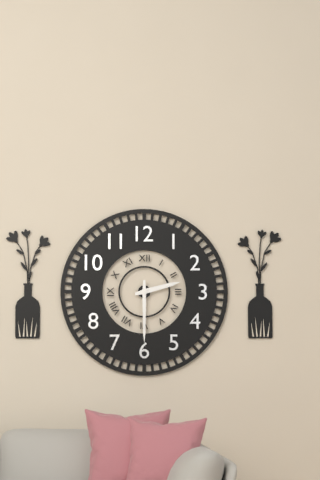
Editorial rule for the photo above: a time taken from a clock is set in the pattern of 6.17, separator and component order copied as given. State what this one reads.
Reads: 2.30
